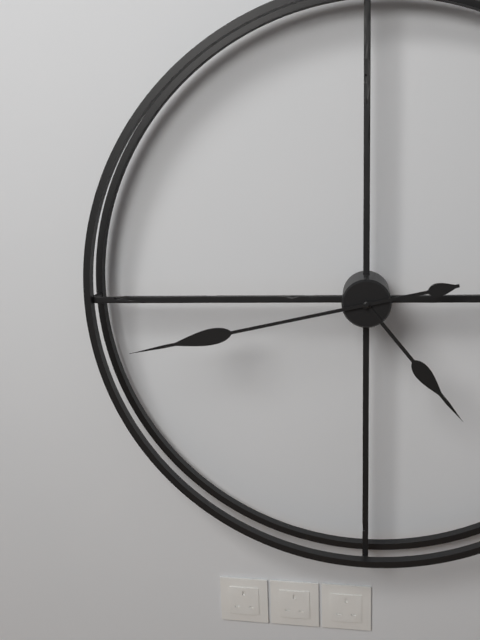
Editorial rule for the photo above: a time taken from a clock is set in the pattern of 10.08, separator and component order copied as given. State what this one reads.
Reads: 4.43
